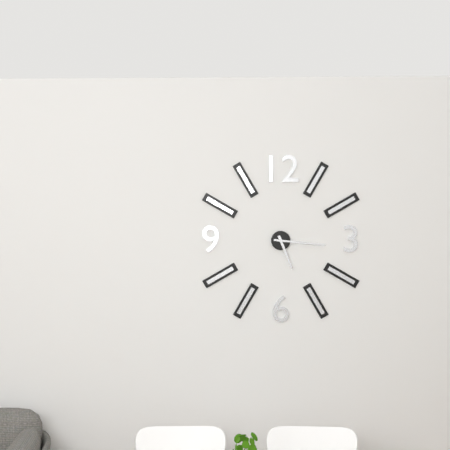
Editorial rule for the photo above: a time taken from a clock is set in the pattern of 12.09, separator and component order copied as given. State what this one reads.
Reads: 5.16
